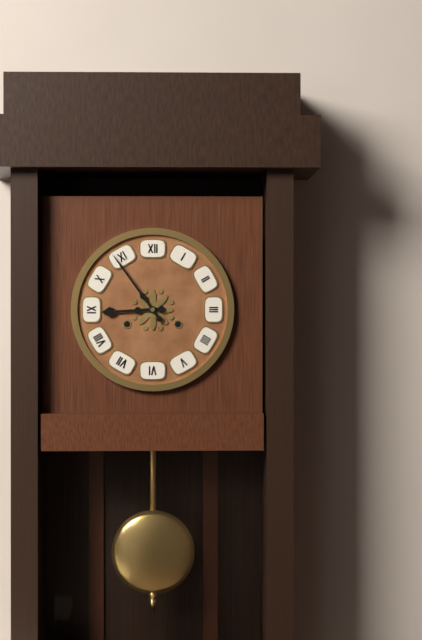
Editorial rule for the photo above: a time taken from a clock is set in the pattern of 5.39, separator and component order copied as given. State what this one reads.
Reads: 8.54
